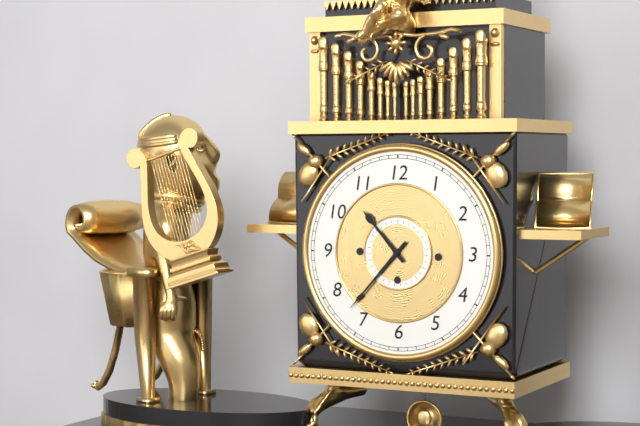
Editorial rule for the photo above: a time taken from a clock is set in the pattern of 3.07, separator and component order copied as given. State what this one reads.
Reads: 10.37
